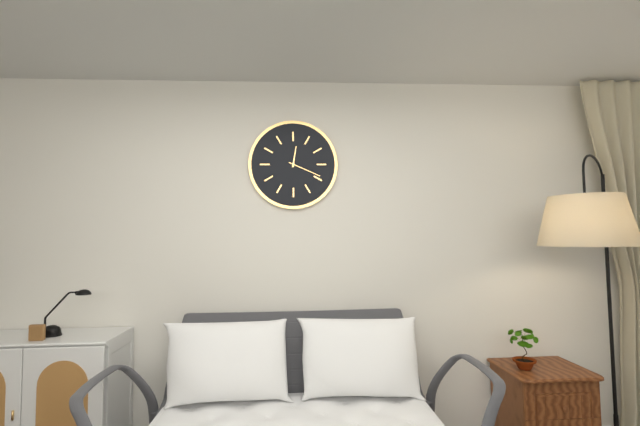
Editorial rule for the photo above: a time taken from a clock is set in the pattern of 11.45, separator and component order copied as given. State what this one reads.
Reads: 12.19
